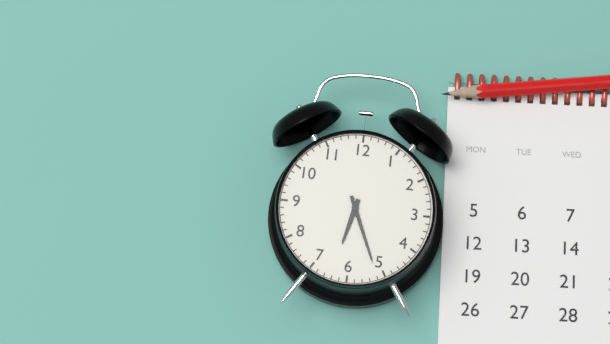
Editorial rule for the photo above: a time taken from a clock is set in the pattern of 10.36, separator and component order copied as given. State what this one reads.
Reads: 6.26
